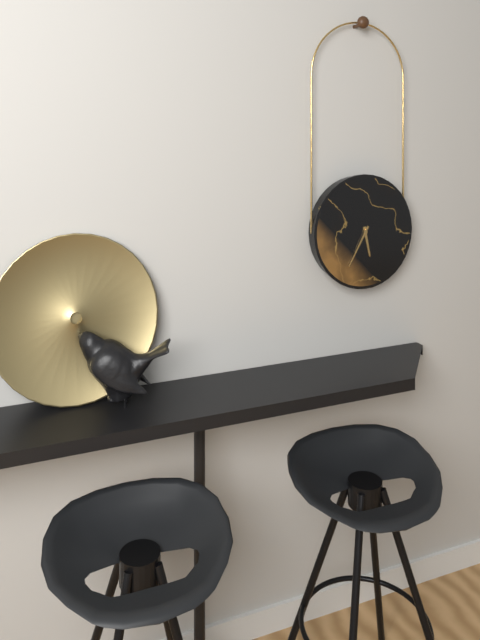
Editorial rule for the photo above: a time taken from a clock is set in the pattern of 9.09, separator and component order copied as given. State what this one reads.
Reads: 5.35
